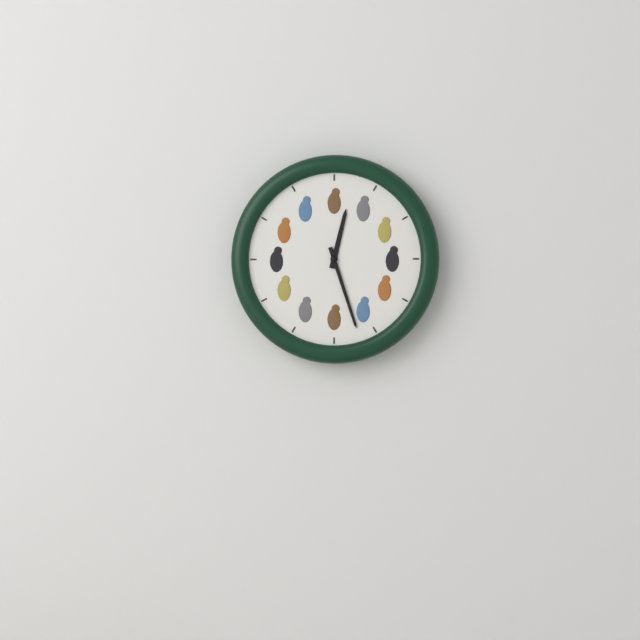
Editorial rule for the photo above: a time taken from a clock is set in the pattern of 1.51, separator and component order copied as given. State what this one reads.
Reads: 12.27
